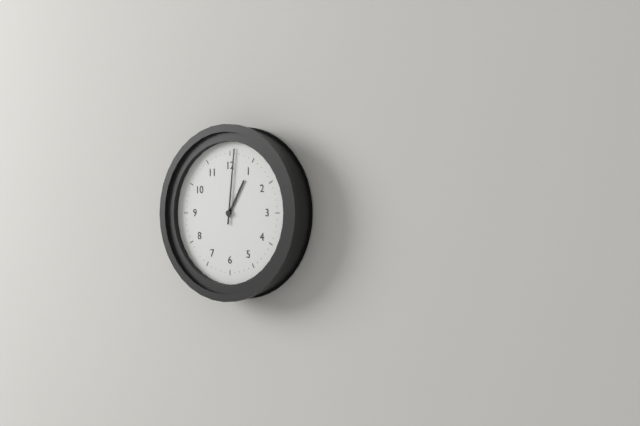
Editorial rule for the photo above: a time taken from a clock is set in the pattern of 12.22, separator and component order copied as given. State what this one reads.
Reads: 1.01
